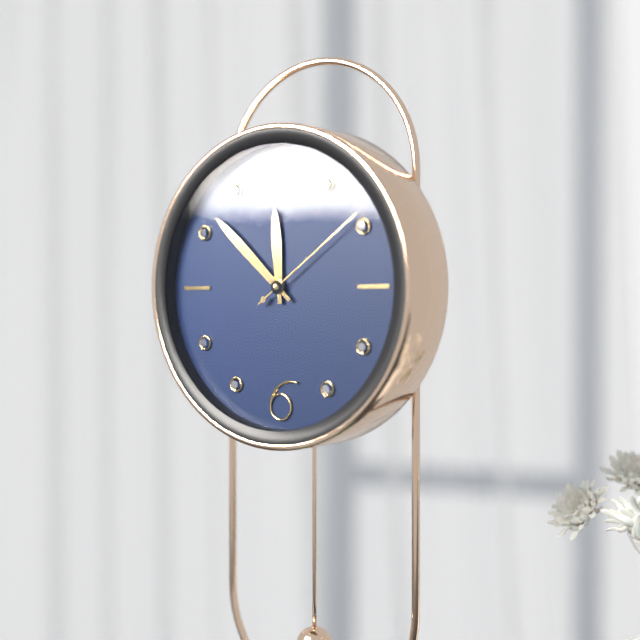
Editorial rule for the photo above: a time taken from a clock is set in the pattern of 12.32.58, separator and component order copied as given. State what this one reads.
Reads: 11.52.09
